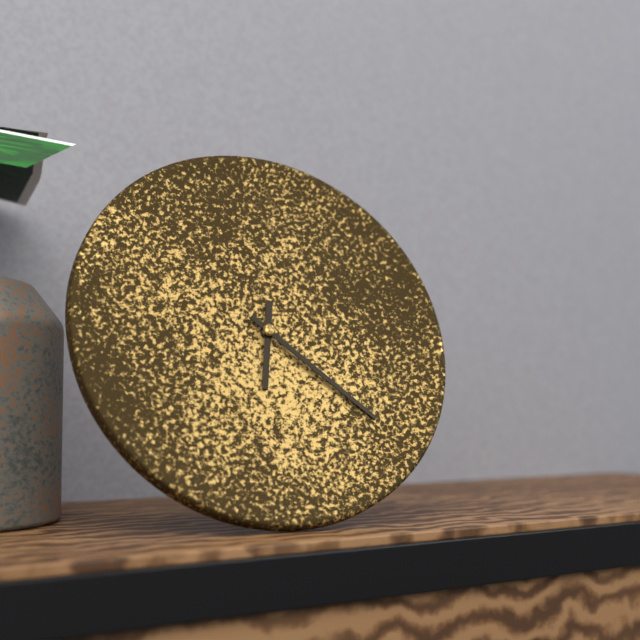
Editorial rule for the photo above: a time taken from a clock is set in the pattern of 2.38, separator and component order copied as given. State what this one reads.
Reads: 6.22
